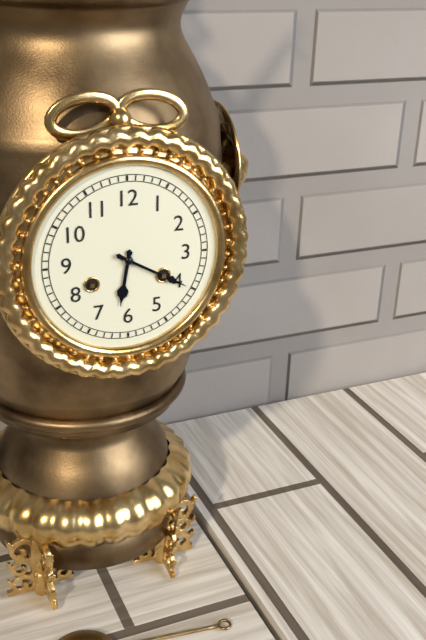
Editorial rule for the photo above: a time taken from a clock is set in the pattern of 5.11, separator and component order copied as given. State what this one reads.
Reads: 6.20
